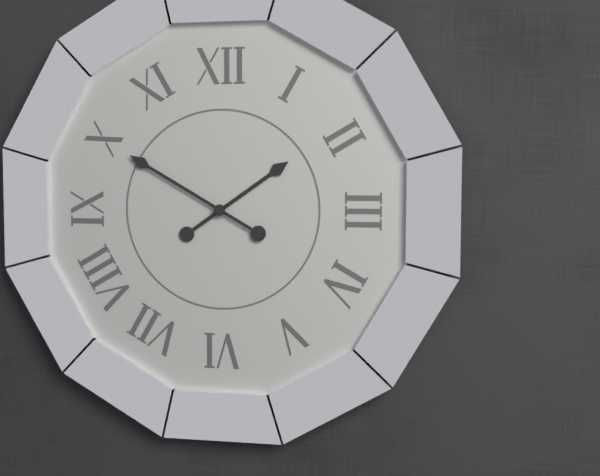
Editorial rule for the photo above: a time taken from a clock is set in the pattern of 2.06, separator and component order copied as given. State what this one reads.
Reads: 1.50
